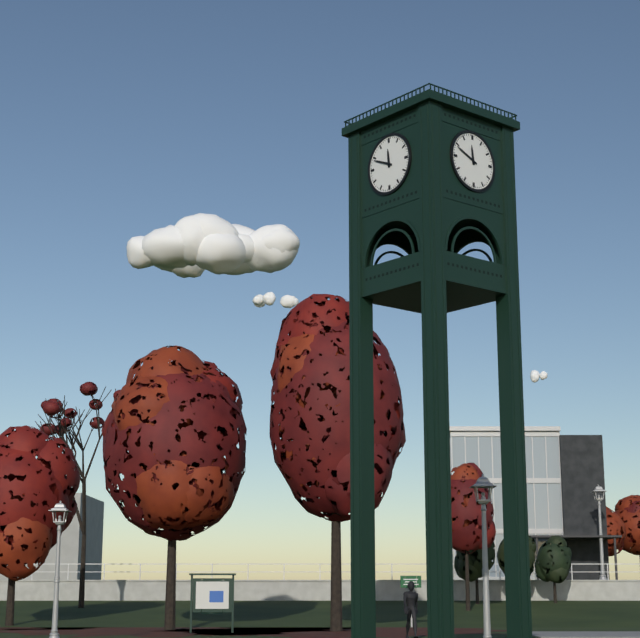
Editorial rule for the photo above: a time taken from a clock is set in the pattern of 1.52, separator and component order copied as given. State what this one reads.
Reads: 11.49
